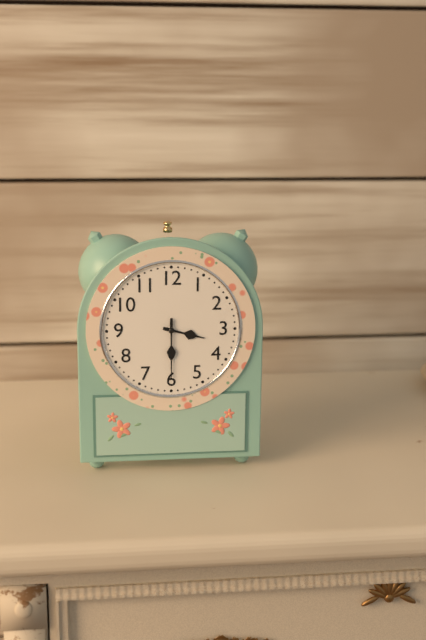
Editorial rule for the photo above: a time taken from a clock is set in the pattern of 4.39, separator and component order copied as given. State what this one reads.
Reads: 3.30
